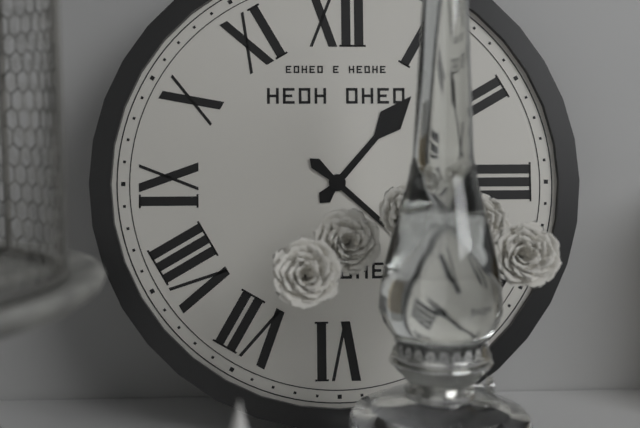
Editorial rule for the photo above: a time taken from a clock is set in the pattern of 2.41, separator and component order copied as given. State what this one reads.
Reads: 1.22
